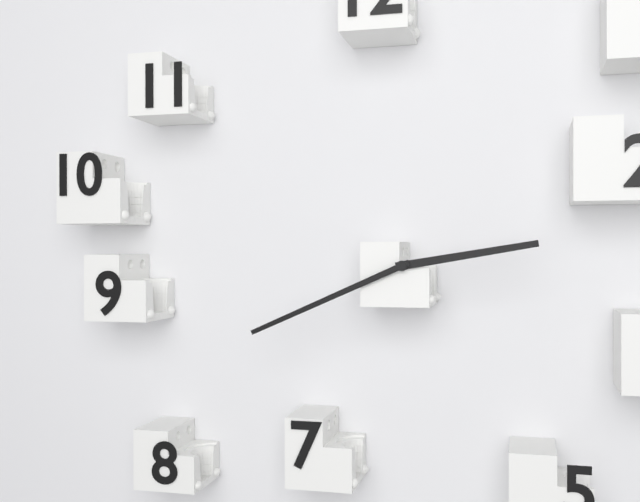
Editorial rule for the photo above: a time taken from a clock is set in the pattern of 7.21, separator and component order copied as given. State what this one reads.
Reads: 2.41
